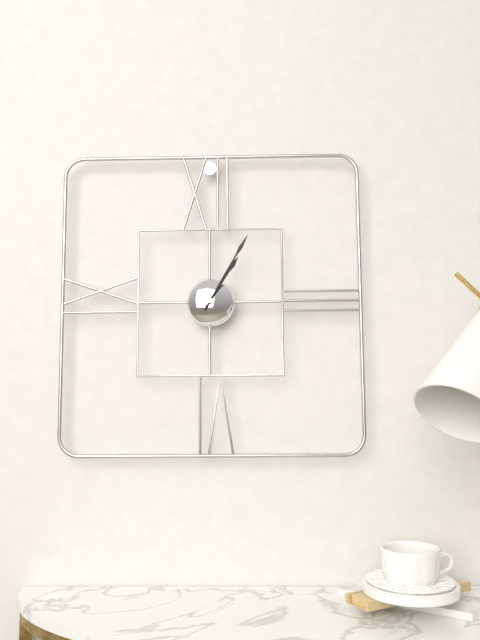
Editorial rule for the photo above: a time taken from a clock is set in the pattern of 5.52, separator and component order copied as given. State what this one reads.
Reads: 1.05
